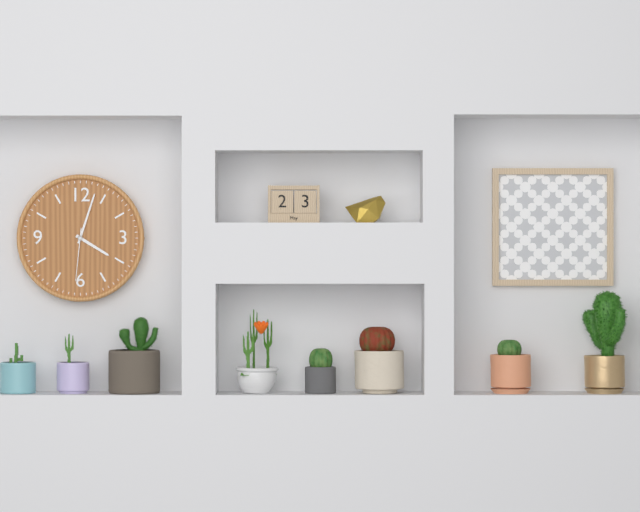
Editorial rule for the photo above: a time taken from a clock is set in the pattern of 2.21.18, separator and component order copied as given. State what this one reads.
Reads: 4.03.31
